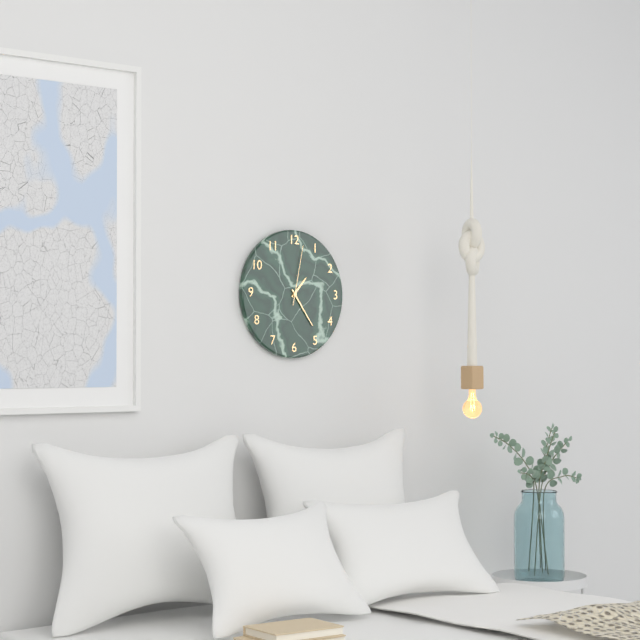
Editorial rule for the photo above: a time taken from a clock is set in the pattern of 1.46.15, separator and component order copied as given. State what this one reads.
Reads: 1.24.02
